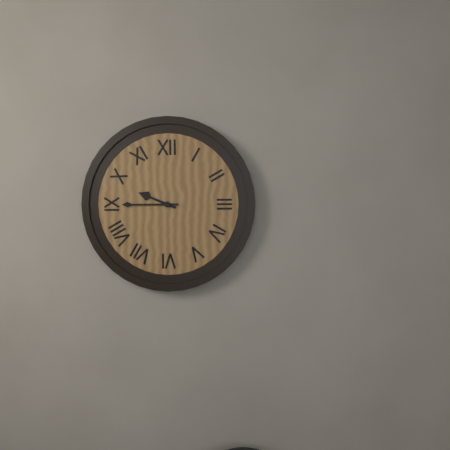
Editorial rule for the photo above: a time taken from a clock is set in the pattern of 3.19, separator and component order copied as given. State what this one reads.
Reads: 9.45
